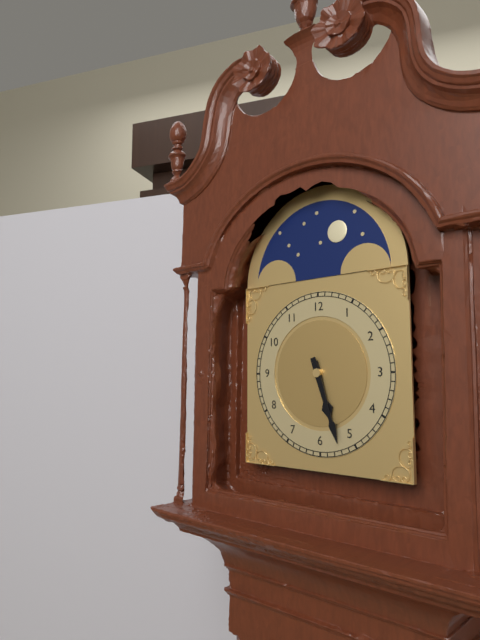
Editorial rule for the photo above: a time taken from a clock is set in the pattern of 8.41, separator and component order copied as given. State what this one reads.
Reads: 5.27
